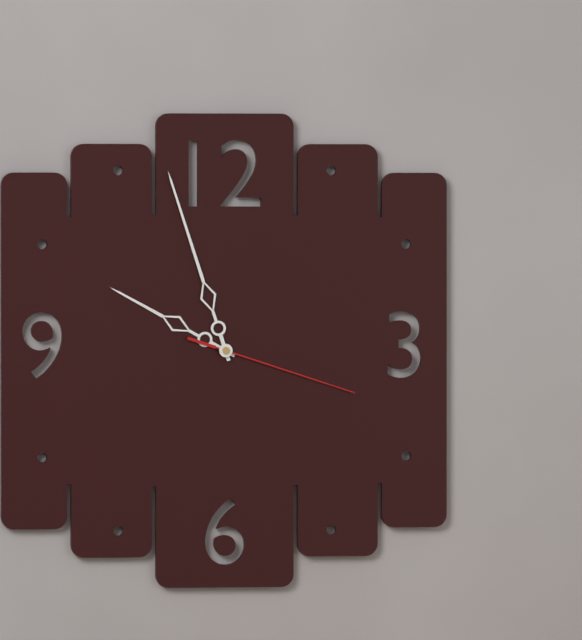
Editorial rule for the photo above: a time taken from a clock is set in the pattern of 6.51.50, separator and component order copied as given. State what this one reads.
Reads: 9.57.18
